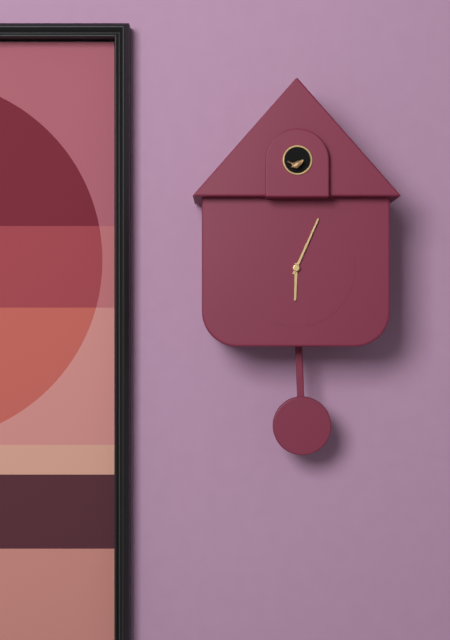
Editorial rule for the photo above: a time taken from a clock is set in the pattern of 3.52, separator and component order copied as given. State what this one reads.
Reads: 6.04
